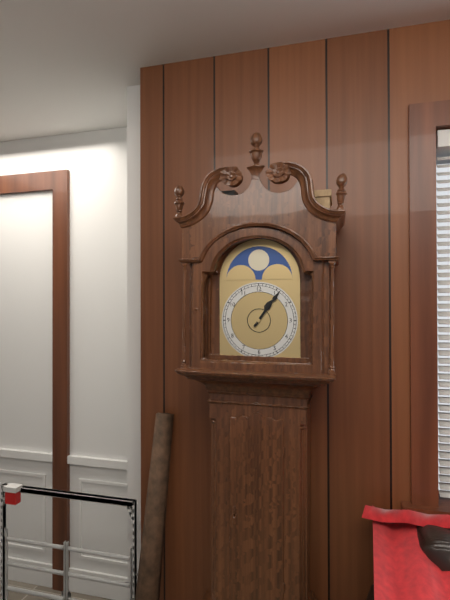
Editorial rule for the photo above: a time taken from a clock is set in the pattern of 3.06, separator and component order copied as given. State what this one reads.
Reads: 1.06
